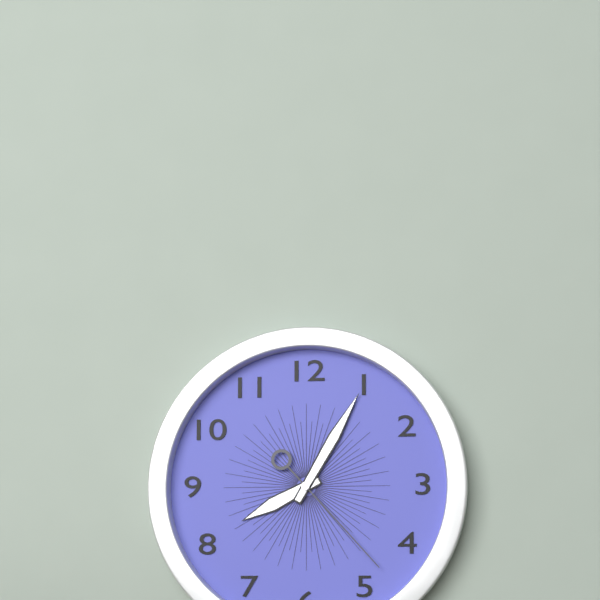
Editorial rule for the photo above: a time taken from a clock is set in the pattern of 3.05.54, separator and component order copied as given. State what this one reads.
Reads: 8.05.23
